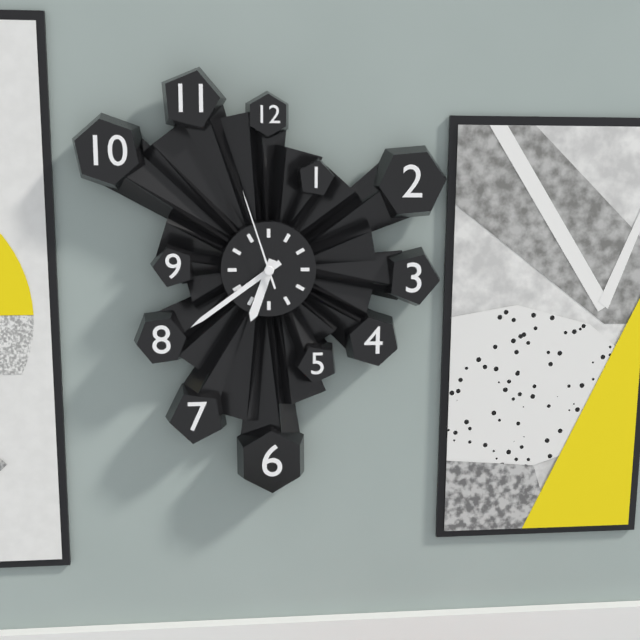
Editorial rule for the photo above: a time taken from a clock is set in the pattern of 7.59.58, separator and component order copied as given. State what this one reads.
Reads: 6.39.57
